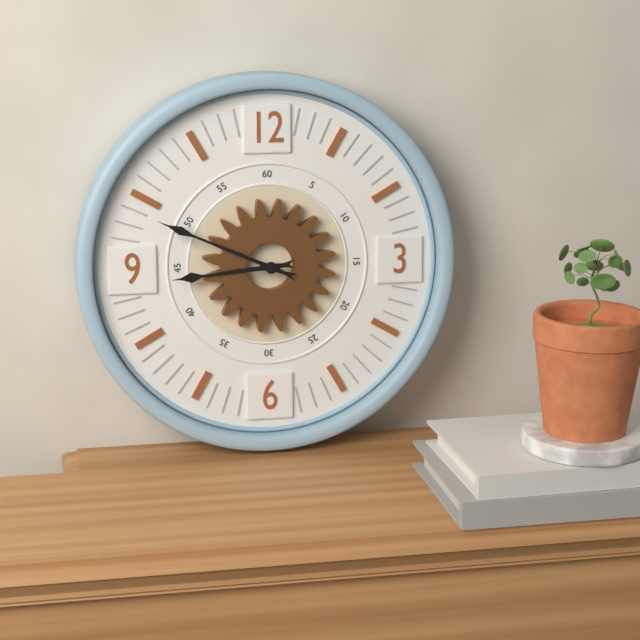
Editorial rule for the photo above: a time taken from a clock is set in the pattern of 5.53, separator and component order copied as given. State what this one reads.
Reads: 8.49
